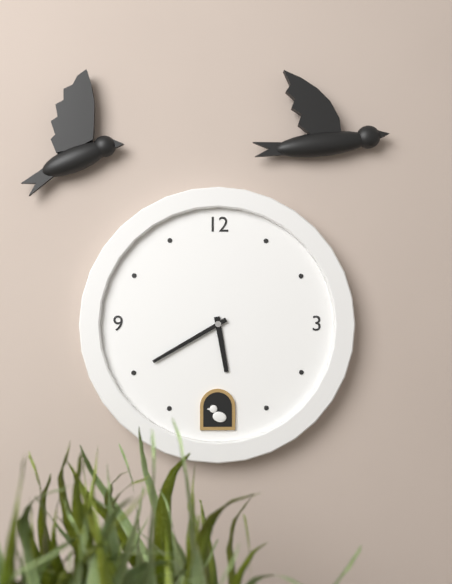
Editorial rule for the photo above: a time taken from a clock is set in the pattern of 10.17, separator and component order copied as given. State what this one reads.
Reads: 5.40
